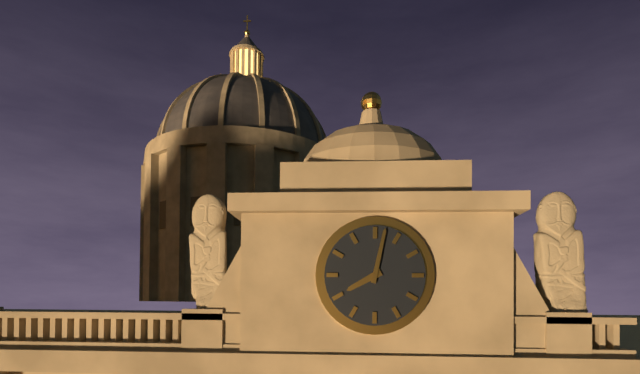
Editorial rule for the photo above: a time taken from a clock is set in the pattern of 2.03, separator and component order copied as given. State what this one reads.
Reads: 8.02
